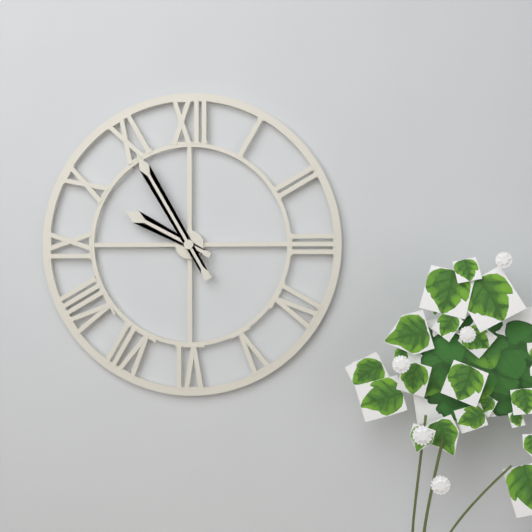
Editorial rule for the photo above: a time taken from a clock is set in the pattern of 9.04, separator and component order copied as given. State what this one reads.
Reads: 9.55
